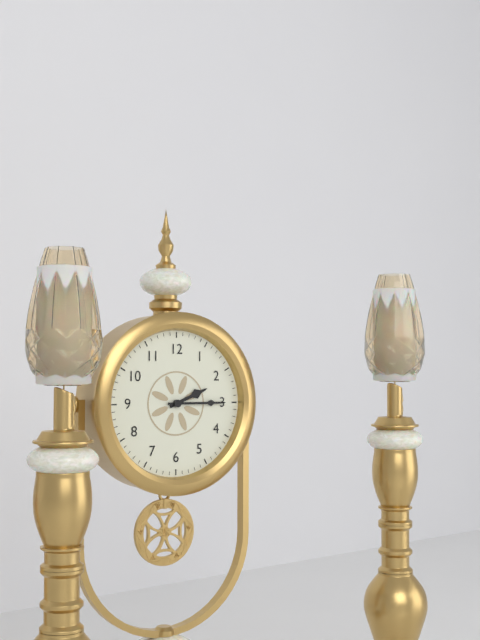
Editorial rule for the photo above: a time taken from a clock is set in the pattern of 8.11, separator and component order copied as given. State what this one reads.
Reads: 2.15
